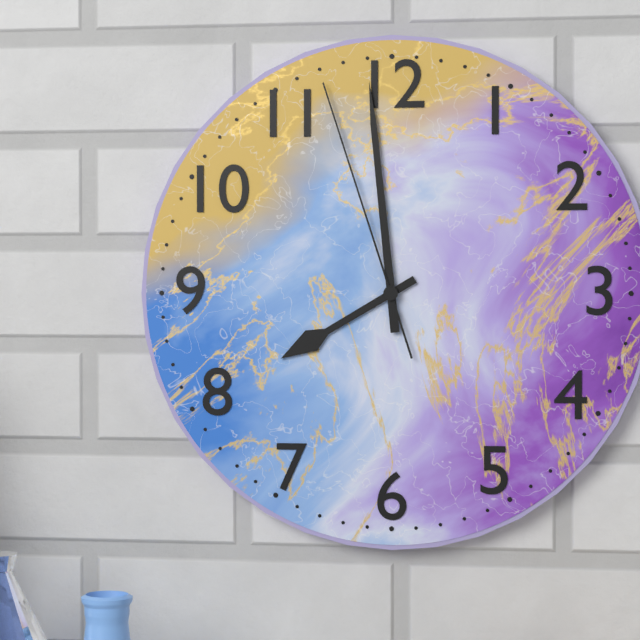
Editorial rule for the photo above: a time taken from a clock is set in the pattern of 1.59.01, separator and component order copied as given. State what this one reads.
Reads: 7.59.57
